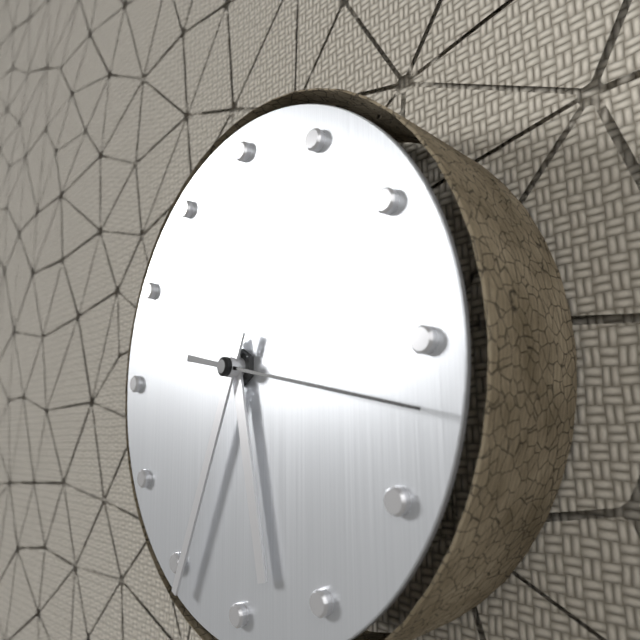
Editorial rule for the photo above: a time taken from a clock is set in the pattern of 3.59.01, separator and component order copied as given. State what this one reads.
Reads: 5.34.17
